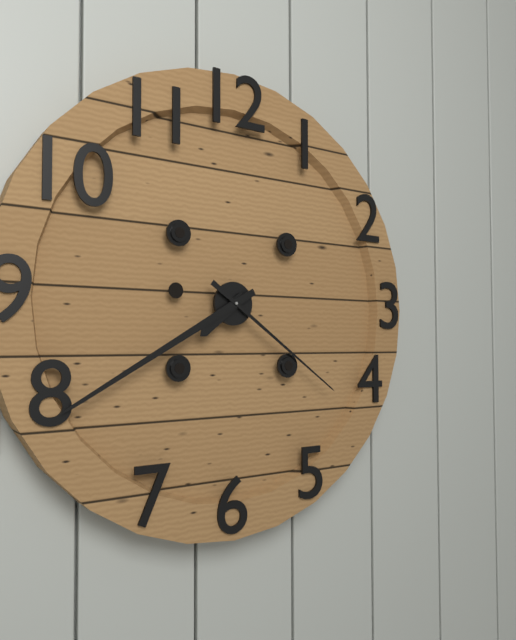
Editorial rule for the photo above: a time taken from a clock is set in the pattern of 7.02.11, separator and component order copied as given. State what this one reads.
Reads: 7.40.21
